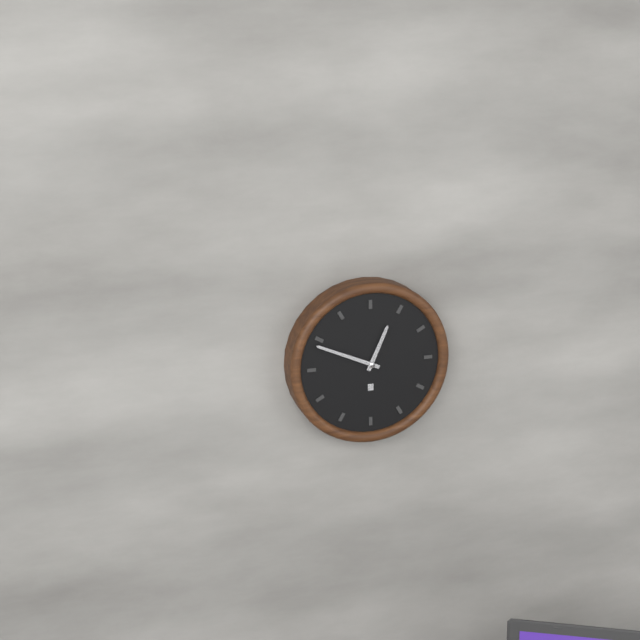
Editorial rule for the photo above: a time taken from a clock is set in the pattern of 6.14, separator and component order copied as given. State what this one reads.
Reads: 12.49
